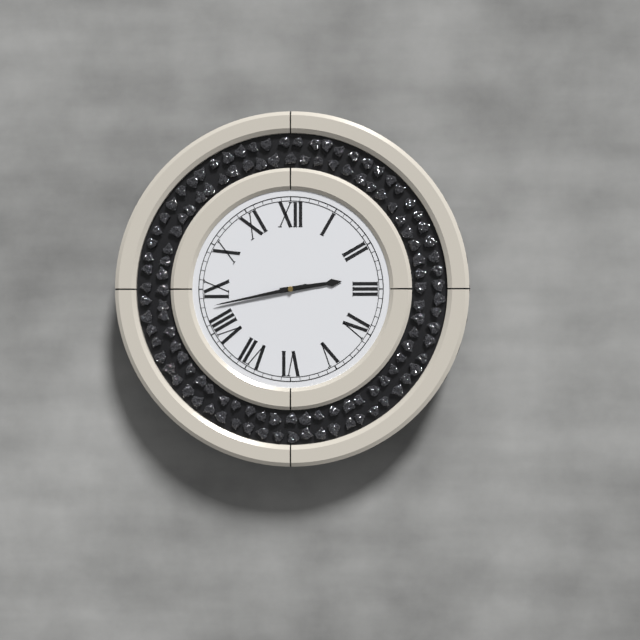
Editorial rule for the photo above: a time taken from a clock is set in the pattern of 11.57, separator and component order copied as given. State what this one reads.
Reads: 2.43
